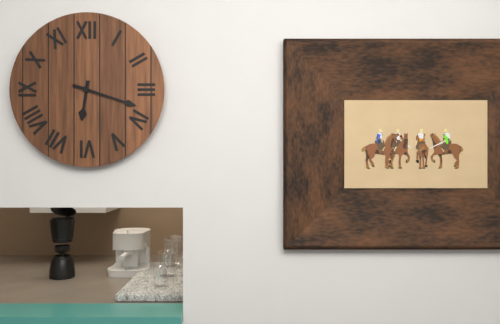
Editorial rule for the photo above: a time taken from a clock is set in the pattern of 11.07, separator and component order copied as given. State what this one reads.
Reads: 6.18
